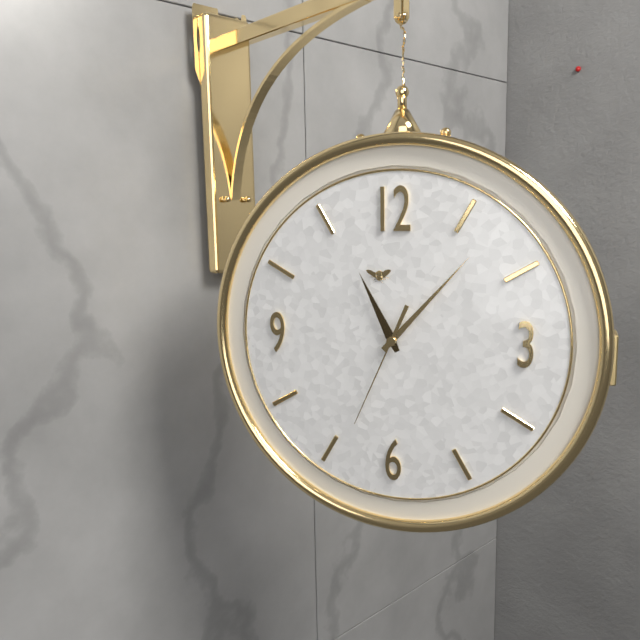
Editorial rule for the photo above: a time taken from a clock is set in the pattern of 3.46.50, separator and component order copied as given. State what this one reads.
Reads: 11.07.34
